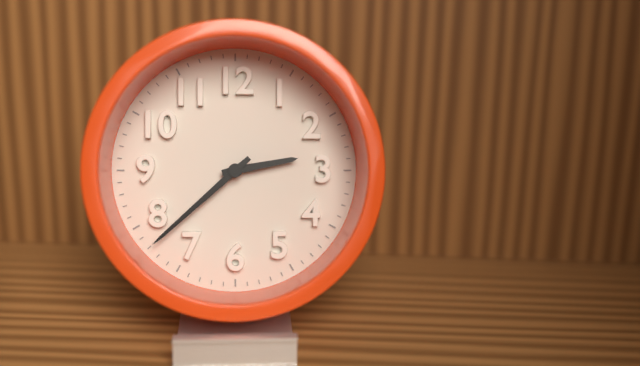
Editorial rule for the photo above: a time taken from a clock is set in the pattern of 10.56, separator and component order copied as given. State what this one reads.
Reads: 2.38
